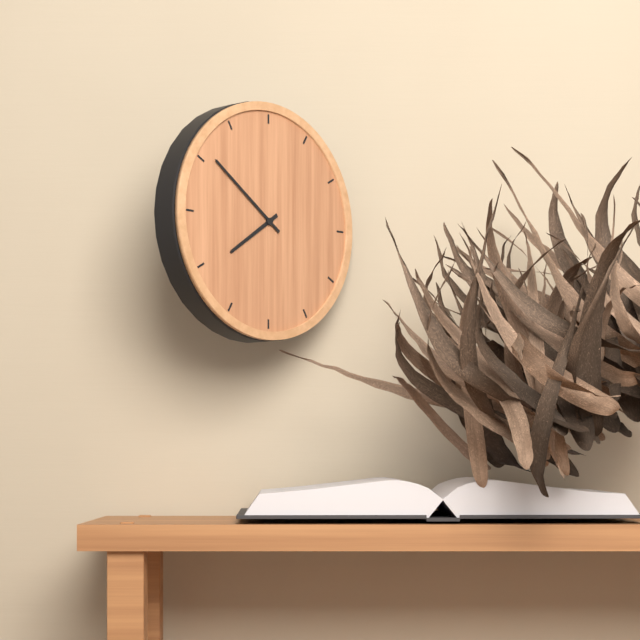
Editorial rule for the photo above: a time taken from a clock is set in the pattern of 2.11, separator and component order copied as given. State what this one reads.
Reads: 7.51
